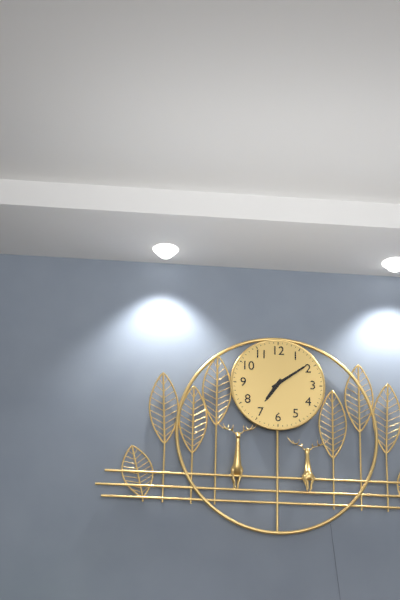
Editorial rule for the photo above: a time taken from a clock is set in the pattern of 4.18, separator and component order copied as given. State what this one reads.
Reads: 7.09
